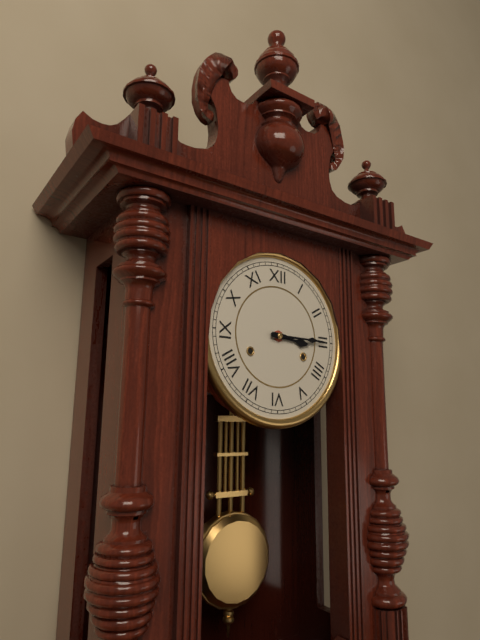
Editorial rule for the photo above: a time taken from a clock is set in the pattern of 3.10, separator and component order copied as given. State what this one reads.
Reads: 3.15
